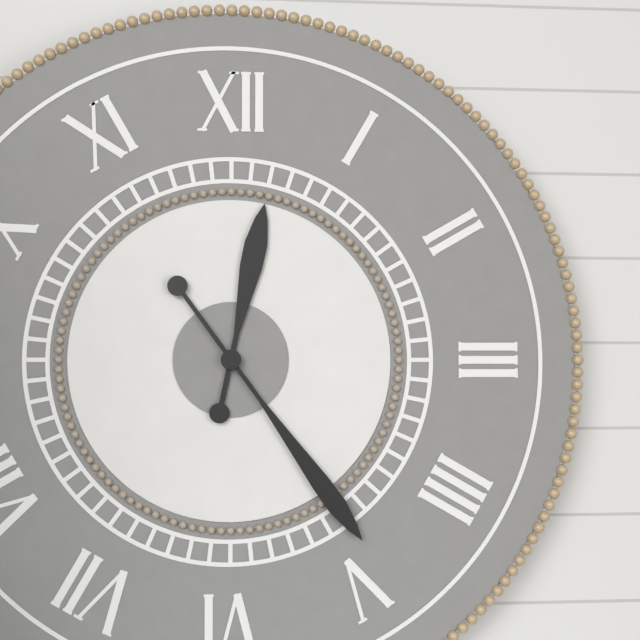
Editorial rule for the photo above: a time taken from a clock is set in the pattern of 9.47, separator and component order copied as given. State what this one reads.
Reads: 12.24
